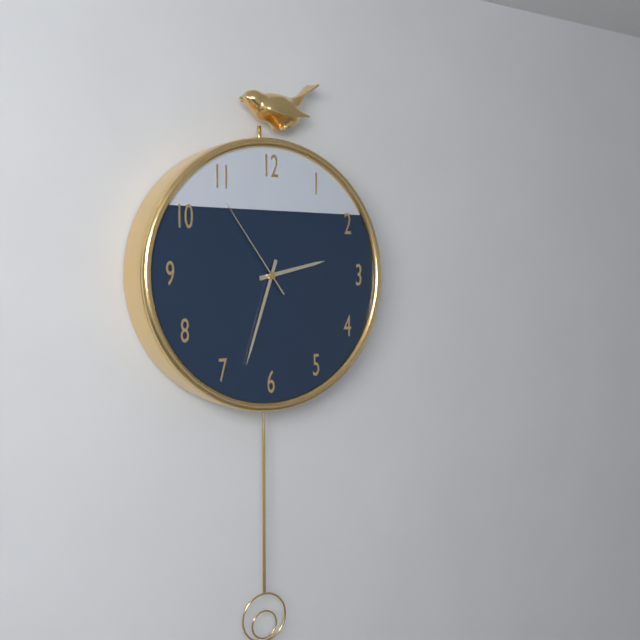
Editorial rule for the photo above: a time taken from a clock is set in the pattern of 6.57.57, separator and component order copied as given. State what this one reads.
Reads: 2.33.54
